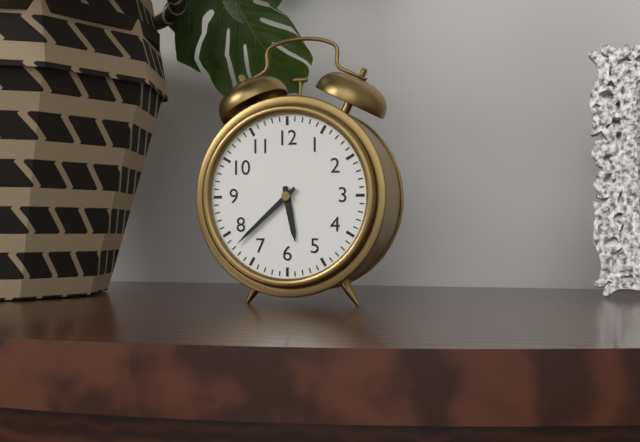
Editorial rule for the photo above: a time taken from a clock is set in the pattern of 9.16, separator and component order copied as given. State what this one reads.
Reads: 5.38
